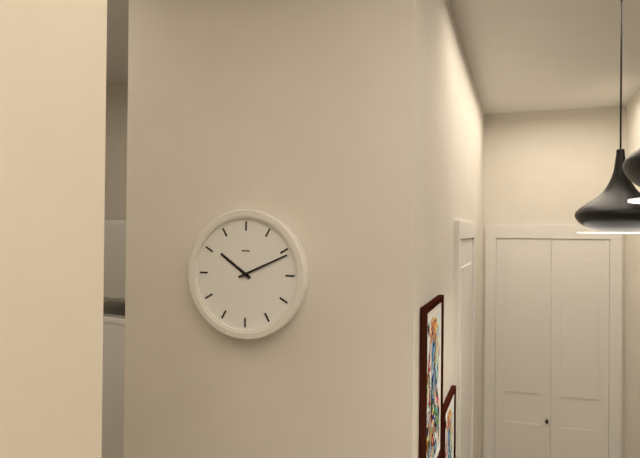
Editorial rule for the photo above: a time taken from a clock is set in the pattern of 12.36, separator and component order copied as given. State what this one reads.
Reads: 10.11
